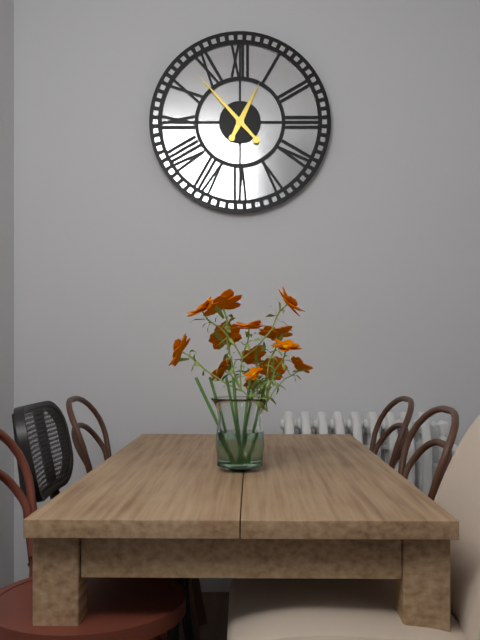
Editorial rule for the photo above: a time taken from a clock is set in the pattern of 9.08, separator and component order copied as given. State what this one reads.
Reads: 12.53
